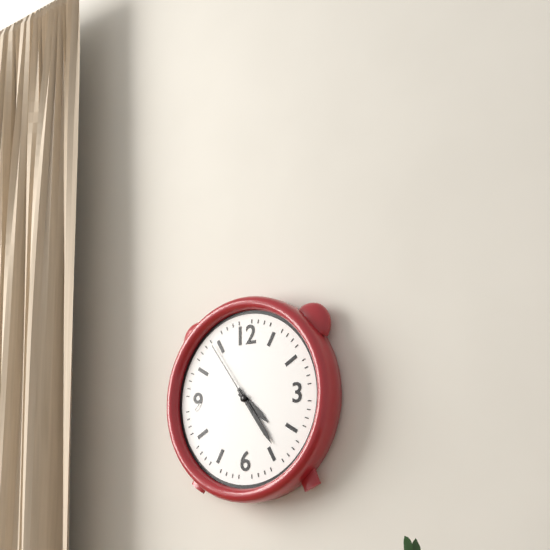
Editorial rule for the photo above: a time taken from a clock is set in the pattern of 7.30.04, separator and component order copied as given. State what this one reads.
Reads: 4.24.54
